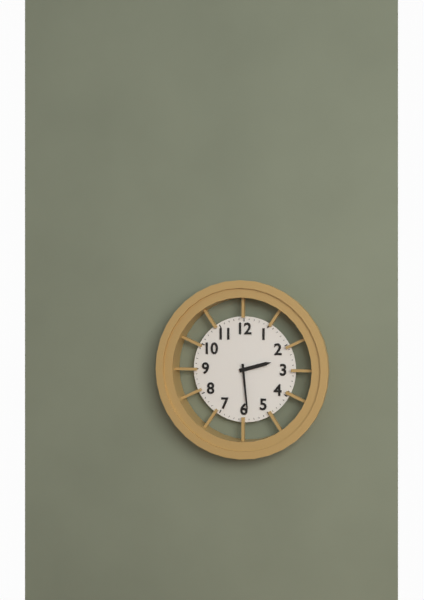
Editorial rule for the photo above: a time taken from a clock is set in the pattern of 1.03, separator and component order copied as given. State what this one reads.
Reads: 2.29
